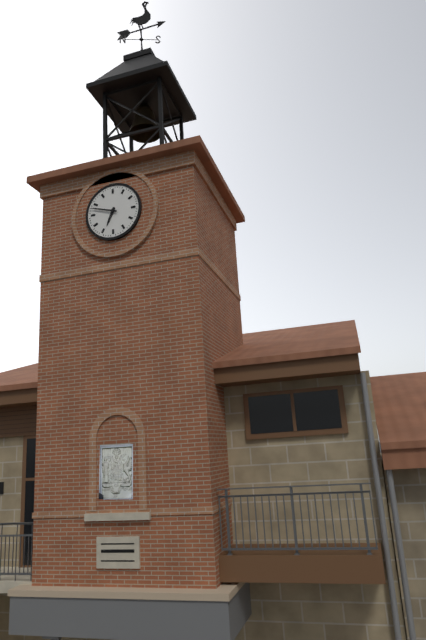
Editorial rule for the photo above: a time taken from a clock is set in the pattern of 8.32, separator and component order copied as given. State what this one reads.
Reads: 6.48
